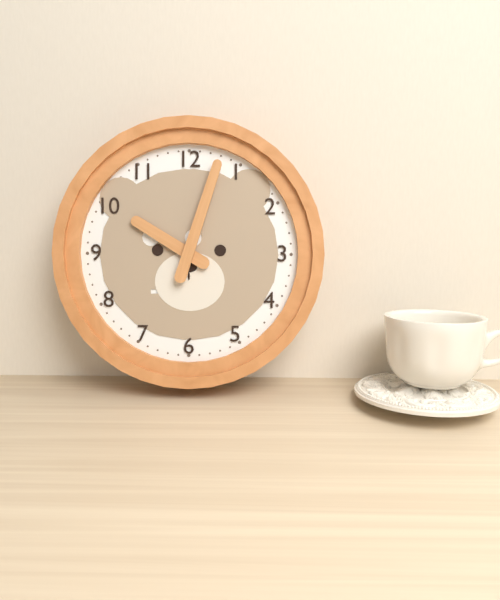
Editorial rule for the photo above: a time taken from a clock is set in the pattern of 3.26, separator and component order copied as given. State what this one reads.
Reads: 10.03
